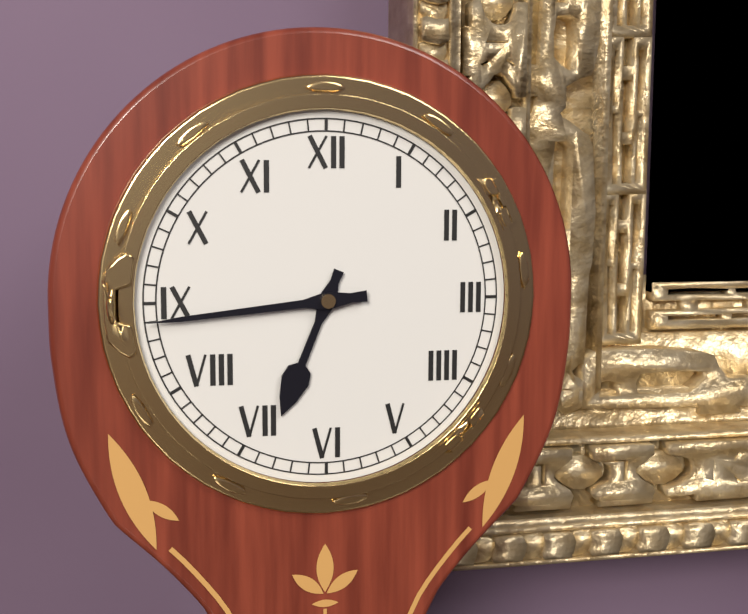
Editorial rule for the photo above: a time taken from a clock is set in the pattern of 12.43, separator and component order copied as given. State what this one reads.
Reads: 6.44
